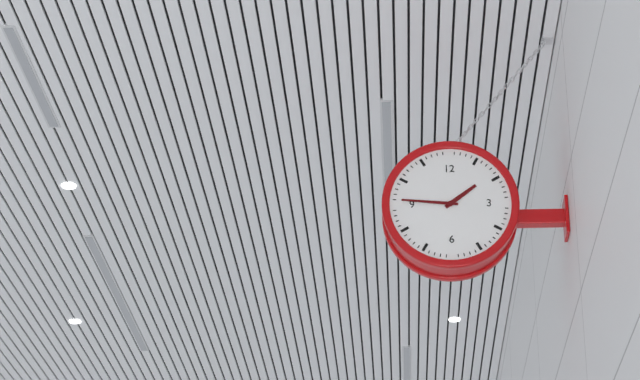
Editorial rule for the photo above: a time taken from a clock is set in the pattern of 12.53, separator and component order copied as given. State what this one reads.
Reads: 1.46
